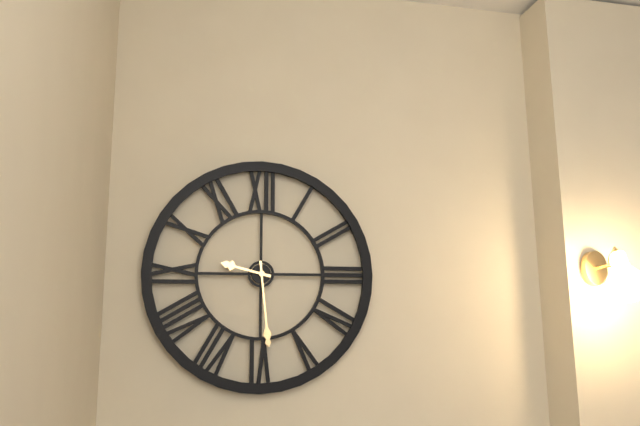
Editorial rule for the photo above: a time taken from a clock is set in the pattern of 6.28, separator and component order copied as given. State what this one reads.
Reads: 9.29
